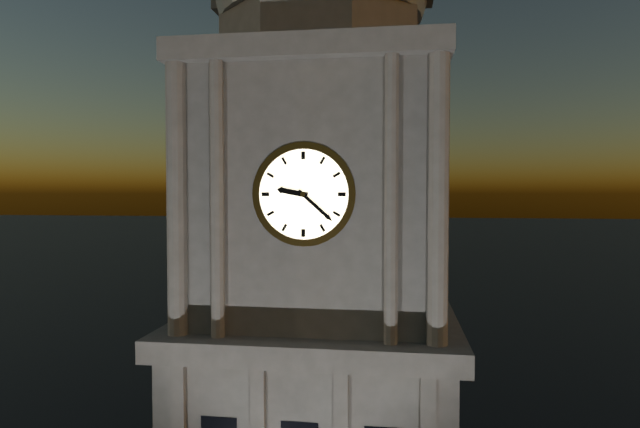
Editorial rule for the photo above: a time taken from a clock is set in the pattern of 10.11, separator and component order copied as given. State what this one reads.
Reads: 9.22
